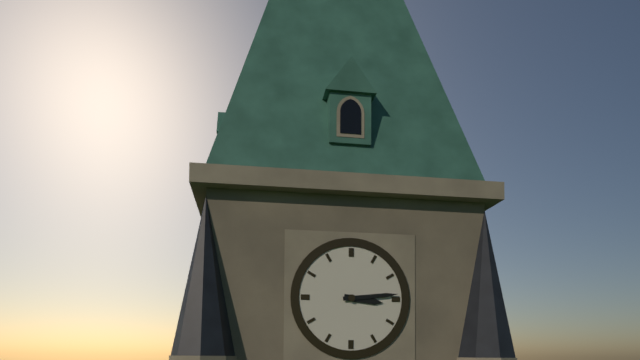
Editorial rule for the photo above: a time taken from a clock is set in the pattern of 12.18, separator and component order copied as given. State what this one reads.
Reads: 3.14
